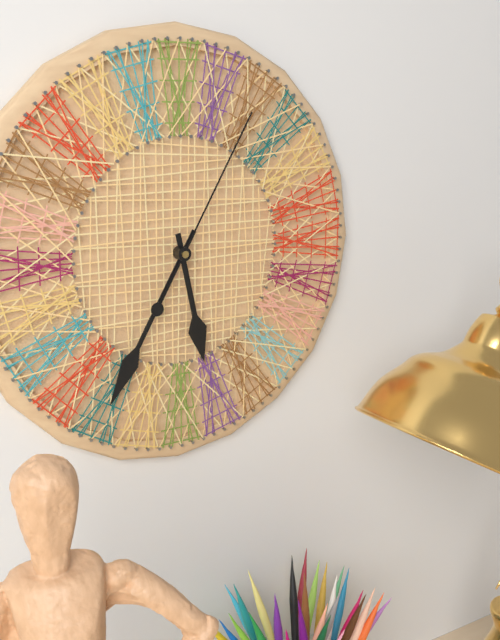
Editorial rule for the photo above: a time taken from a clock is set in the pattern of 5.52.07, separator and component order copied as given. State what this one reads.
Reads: 5.35.05
